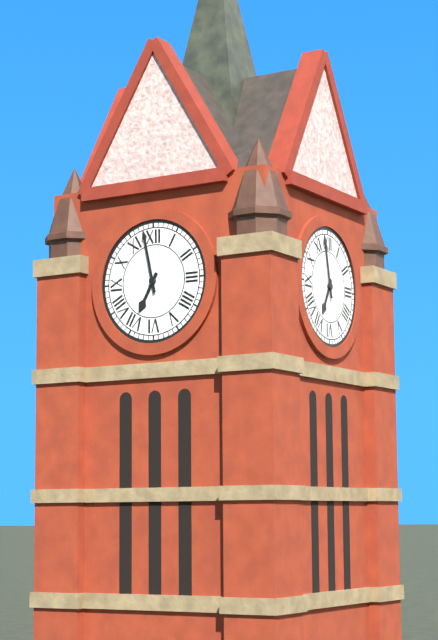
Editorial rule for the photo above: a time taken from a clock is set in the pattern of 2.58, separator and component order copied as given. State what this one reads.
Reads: 6.58
